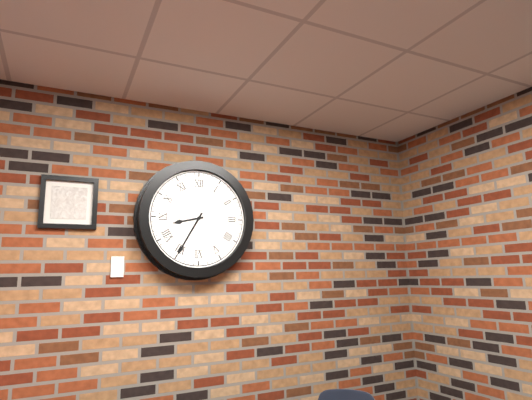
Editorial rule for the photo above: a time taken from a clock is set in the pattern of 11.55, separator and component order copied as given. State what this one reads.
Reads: 8.35
